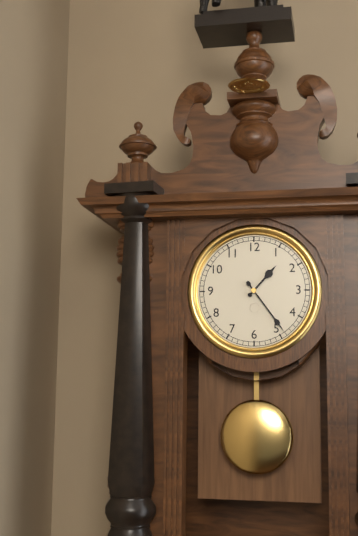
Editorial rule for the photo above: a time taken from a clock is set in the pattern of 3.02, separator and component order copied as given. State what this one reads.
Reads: 1.24
